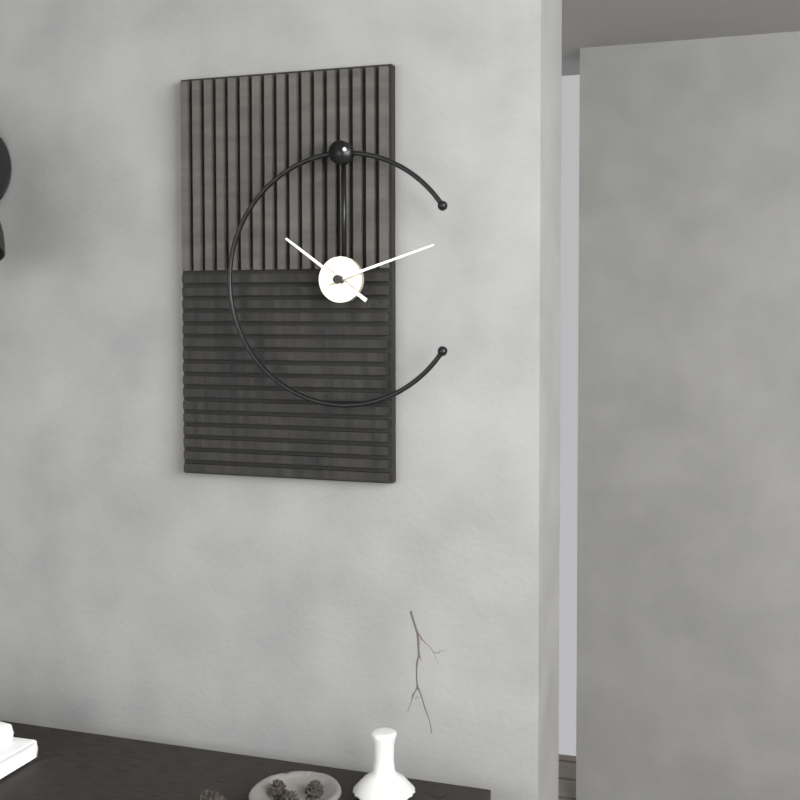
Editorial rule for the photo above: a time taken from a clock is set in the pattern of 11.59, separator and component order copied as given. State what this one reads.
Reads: 10.12
